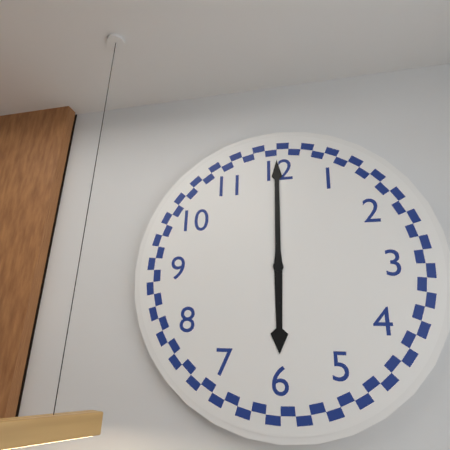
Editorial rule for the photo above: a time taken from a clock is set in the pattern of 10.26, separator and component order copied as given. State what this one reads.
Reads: 6.00
